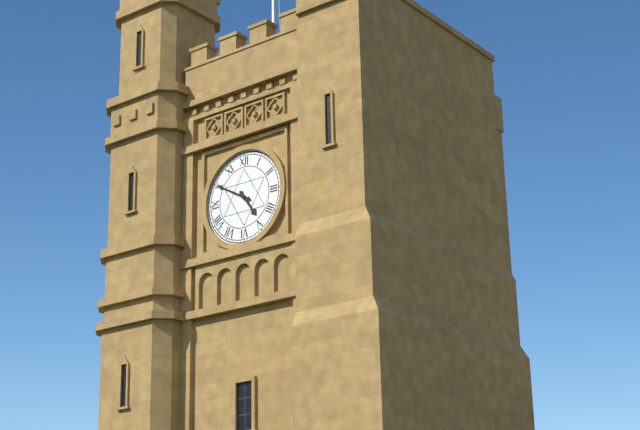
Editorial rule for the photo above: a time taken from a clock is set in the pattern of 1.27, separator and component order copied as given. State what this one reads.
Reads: 4.50
